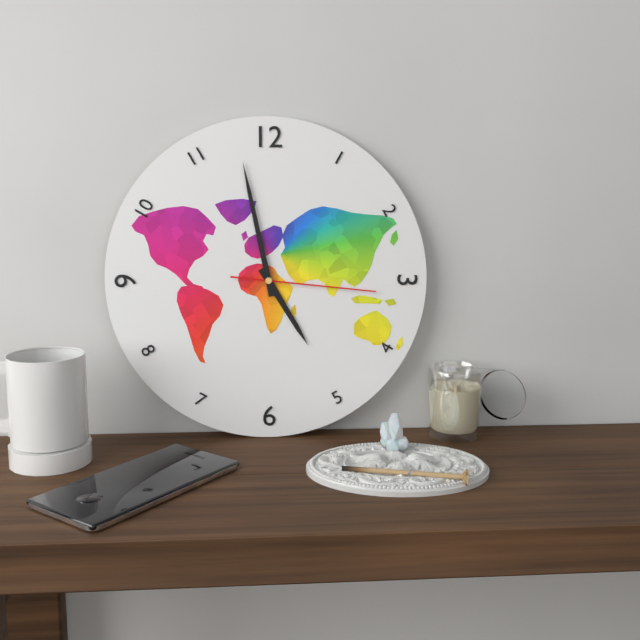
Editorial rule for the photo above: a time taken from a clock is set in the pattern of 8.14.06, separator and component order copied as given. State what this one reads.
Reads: 4.58.16
